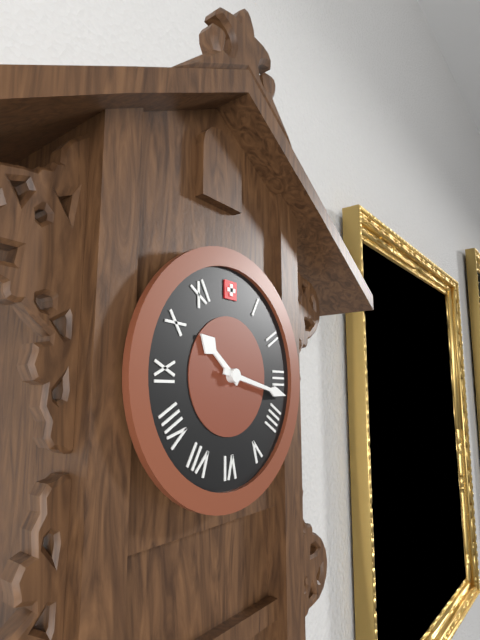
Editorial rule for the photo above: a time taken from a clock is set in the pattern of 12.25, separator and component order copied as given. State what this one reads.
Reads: 10.17
